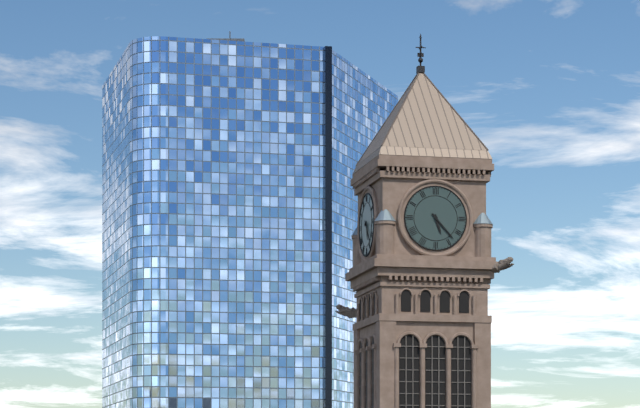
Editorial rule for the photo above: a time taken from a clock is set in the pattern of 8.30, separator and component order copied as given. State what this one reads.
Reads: 5.23
